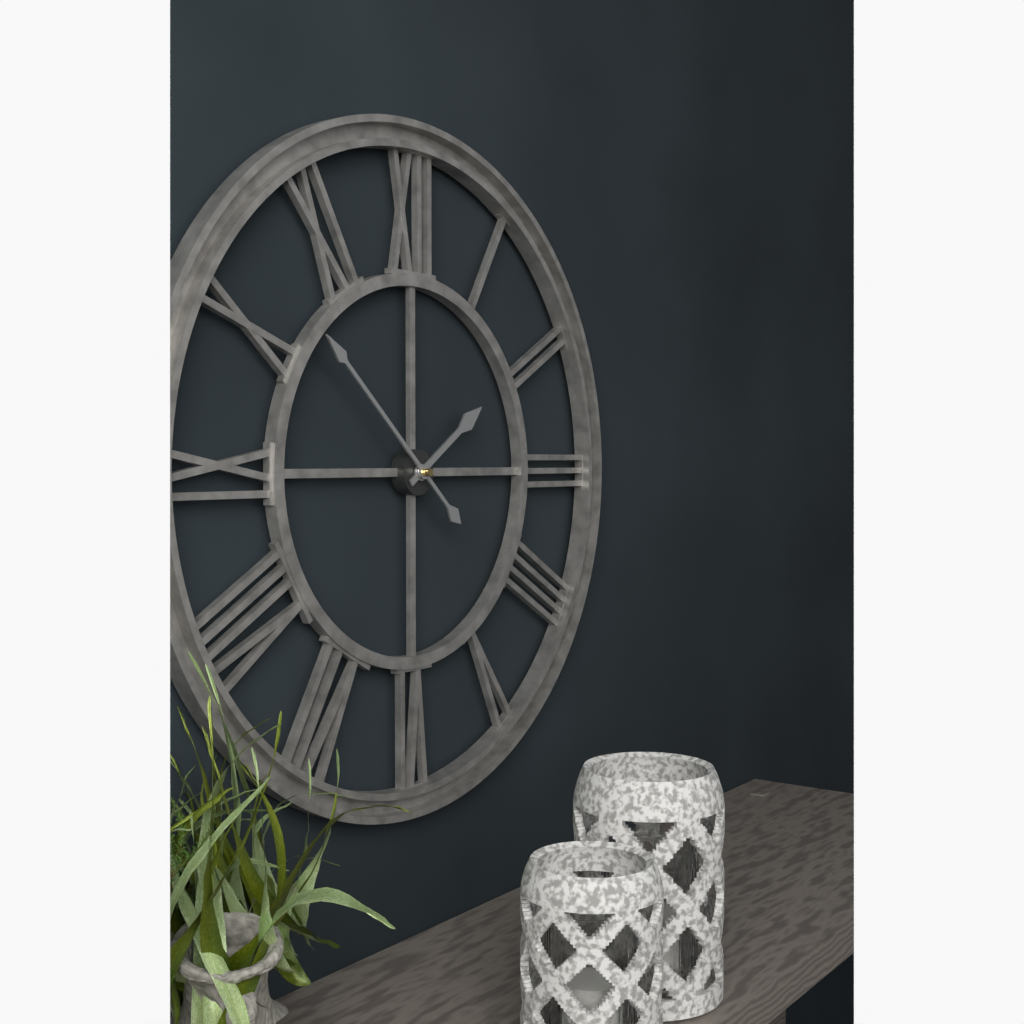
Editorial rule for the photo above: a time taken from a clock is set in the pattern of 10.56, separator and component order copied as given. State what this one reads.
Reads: 1.52
